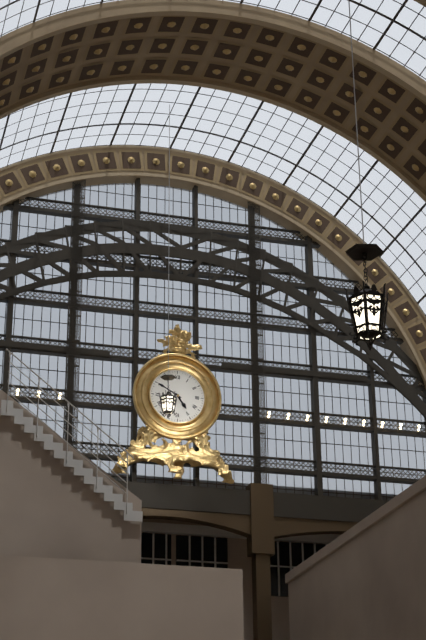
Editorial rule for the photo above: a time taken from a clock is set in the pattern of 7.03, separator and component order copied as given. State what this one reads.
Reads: 4.50
